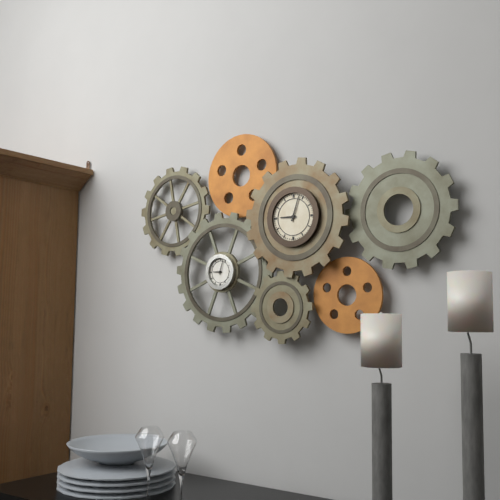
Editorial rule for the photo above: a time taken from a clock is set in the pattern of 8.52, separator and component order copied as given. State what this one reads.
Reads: 9.03
